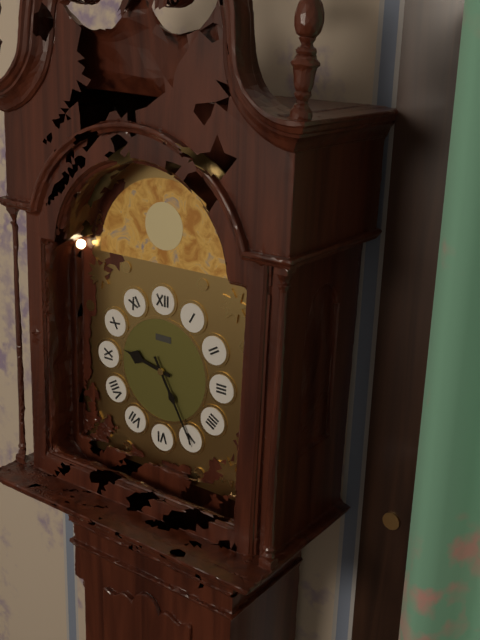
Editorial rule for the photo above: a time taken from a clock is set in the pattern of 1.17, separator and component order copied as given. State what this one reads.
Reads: 9.25
